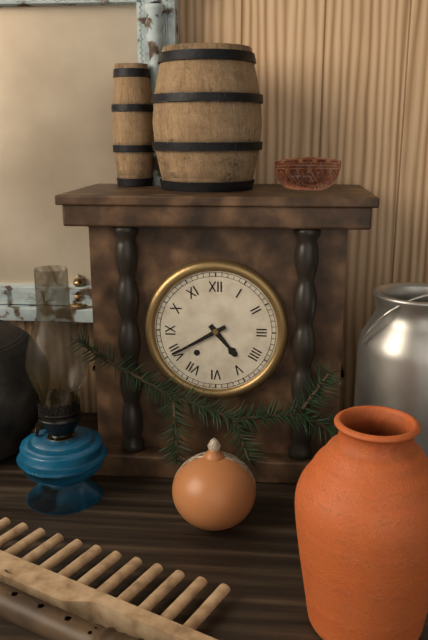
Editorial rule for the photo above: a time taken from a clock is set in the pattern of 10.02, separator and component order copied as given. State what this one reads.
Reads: 4.40
